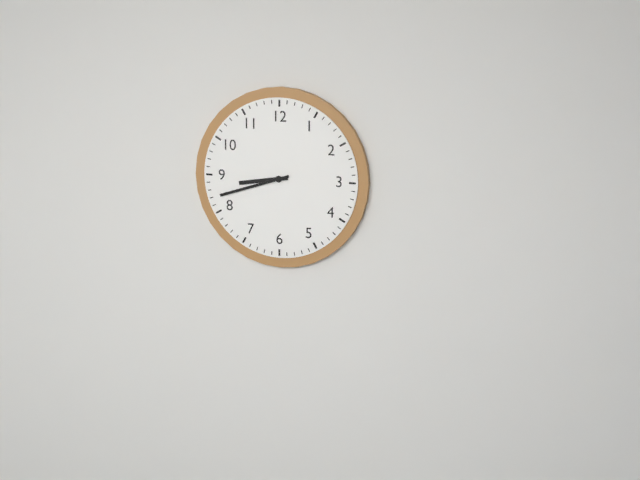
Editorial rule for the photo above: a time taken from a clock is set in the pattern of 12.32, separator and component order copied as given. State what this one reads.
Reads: 8.42
